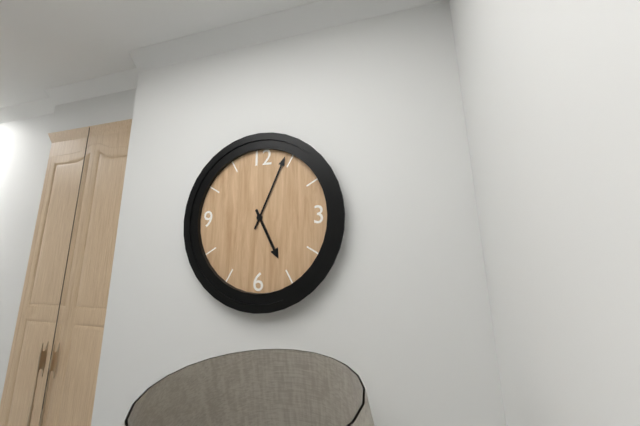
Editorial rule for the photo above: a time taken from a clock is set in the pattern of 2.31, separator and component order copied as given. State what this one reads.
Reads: 5.04
